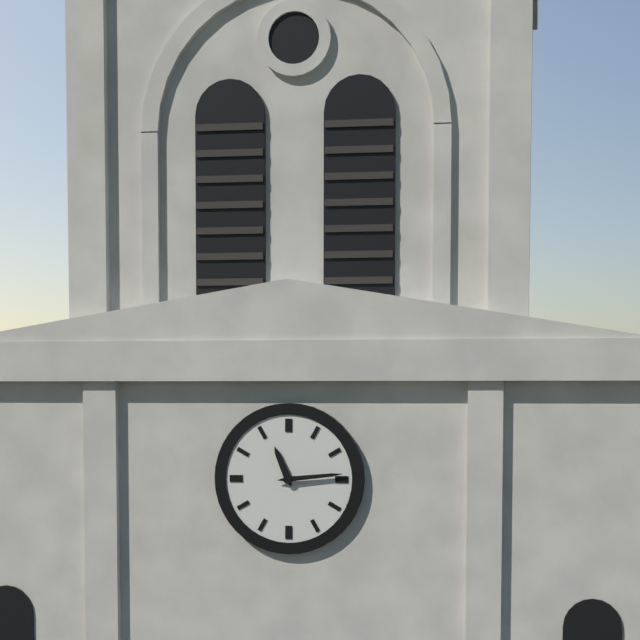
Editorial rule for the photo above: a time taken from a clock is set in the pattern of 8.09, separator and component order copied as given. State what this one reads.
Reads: 11.14
